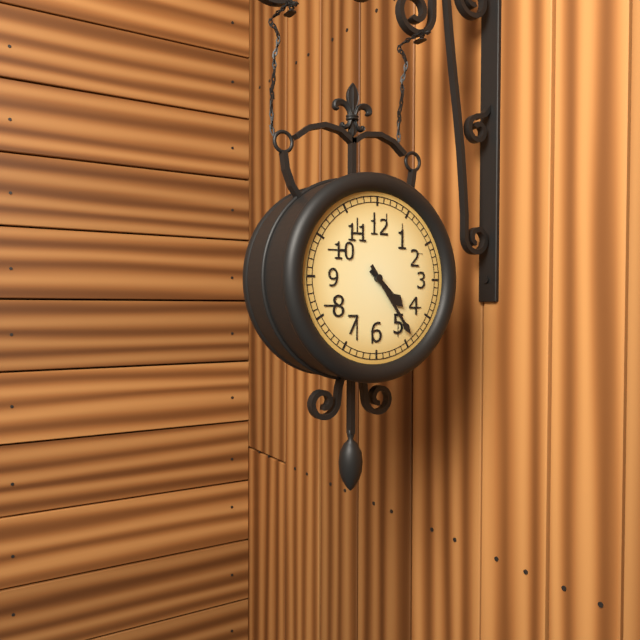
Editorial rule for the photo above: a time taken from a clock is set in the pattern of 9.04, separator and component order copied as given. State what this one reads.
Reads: 4.24
